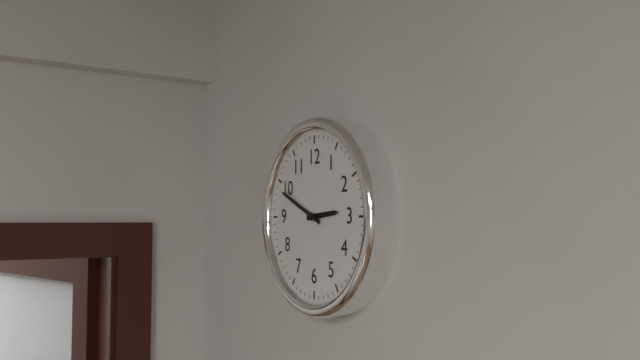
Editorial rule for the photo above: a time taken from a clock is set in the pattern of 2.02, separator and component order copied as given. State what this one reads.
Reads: 2.49
